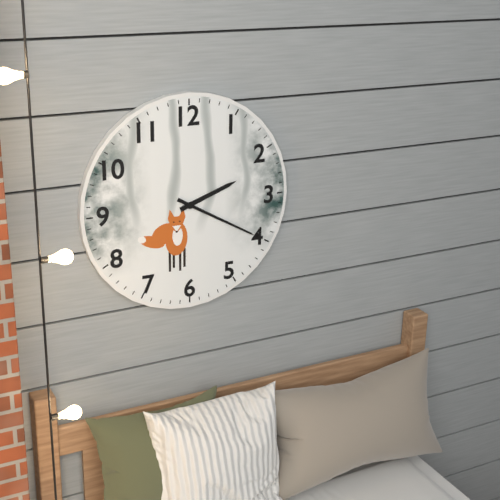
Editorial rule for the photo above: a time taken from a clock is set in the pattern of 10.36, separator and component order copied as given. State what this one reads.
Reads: 2.20
